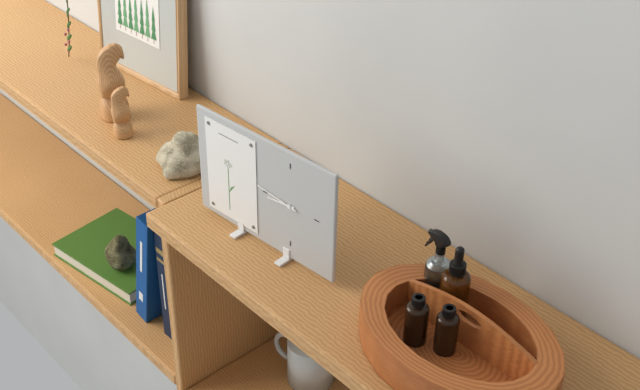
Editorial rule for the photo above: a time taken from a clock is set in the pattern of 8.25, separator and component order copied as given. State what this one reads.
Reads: 8.46
